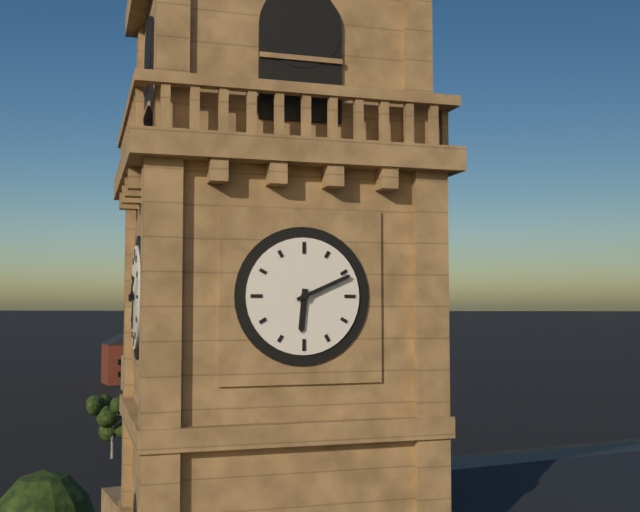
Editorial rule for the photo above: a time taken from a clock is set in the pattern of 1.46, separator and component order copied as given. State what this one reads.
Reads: 6.11
